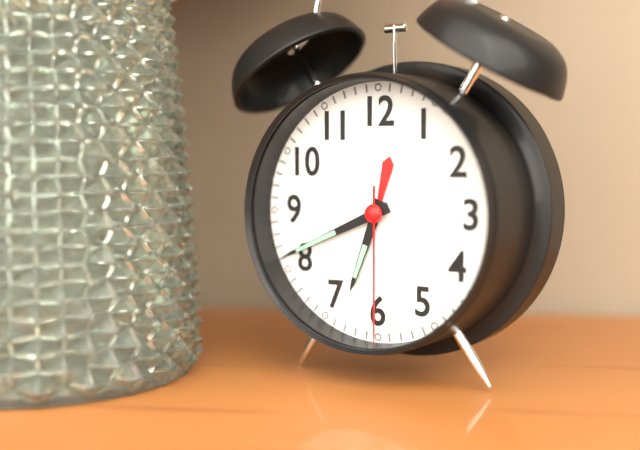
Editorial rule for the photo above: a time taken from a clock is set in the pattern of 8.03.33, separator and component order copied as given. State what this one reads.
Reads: 6.41.30
